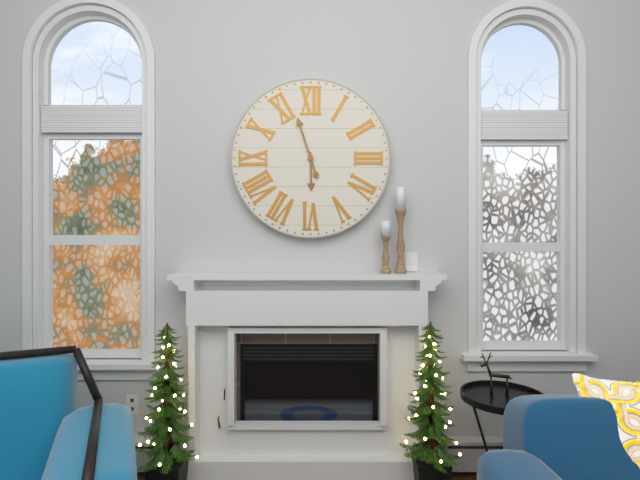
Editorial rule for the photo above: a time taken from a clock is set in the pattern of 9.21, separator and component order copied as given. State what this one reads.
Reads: 5.57
